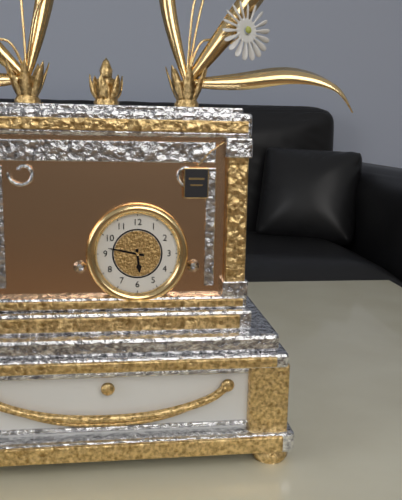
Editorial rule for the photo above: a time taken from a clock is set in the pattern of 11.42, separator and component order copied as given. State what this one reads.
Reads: 5.47
